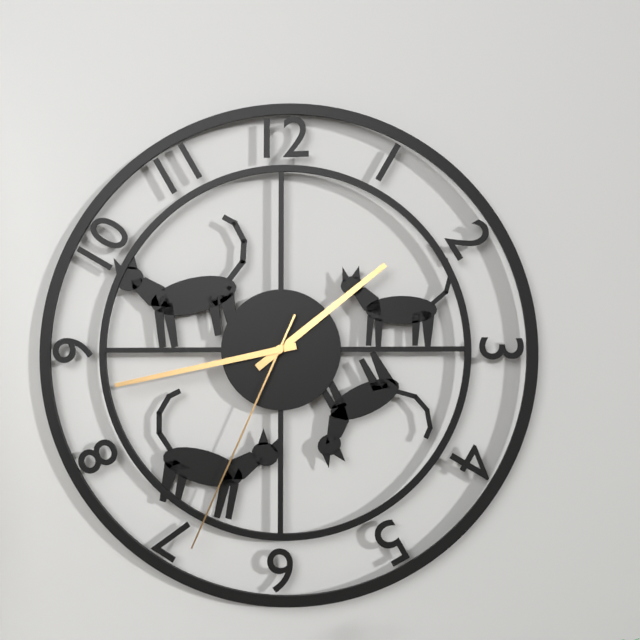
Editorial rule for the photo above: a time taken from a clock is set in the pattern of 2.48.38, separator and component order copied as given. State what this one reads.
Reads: 1.43.34
